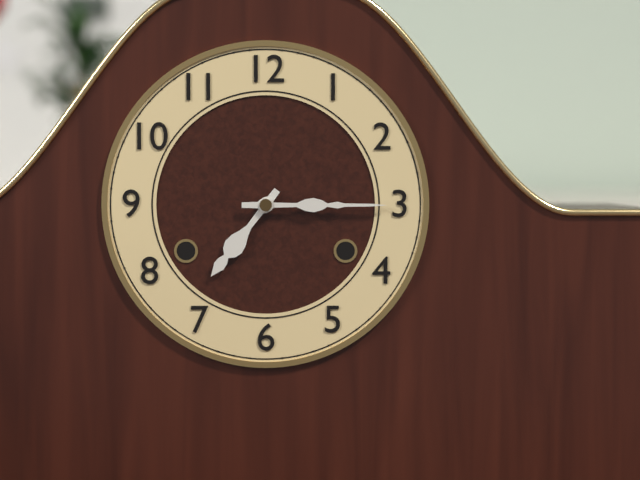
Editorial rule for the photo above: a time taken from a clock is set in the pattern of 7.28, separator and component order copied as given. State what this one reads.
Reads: 7.15
